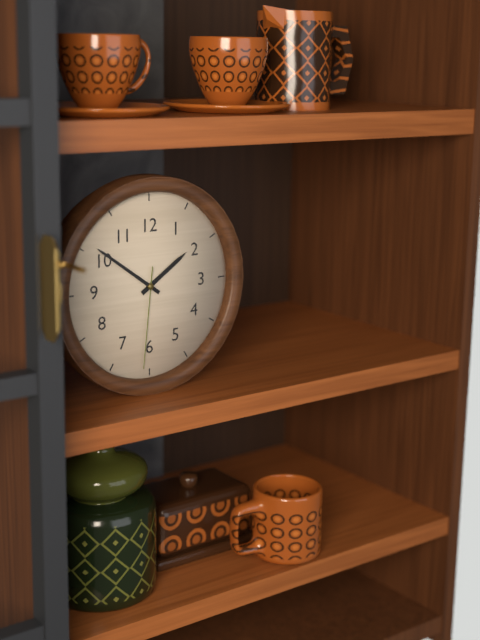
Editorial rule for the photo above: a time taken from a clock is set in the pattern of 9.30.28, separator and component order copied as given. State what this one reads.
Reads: 1.51.31
